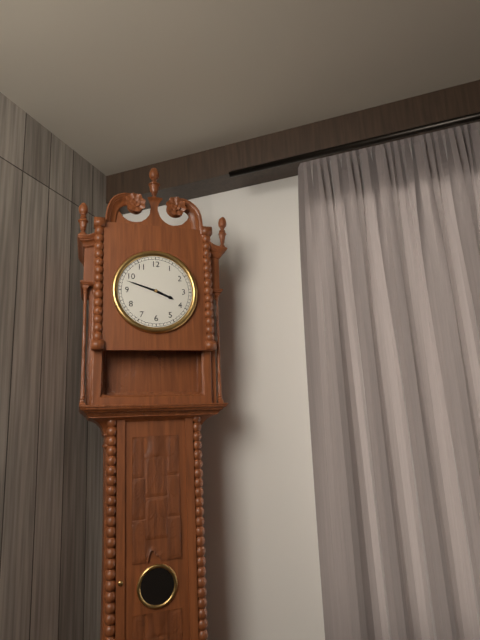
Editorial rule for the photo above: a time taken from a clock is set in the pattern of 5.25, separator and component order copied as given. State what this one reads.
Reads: 3.48
